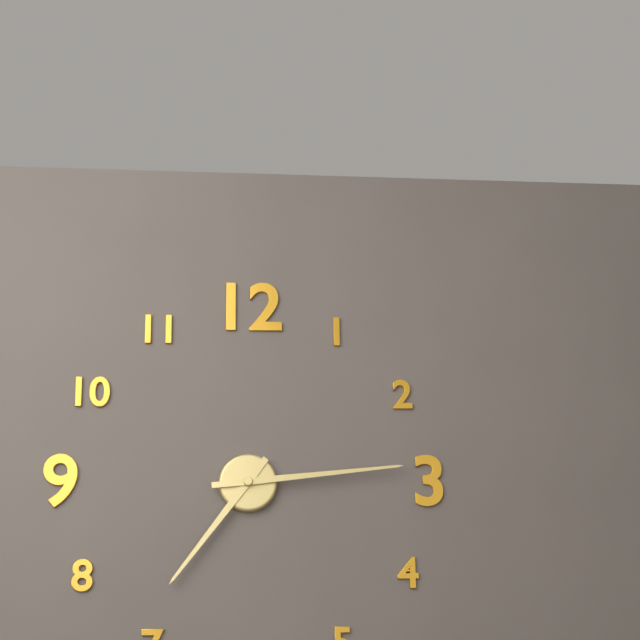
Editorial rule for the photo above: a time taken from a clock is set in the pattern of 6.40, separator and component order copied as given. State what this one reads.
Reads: 7.14
